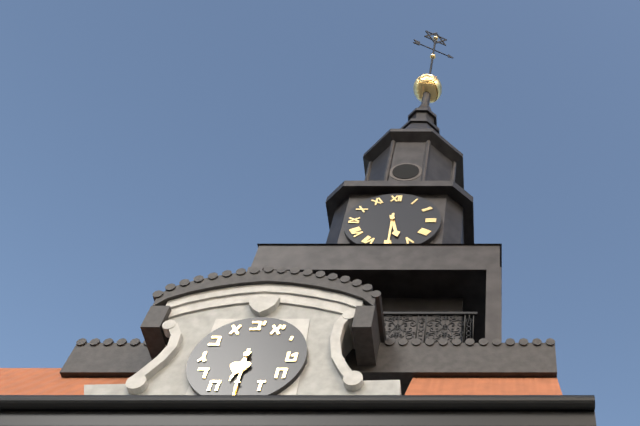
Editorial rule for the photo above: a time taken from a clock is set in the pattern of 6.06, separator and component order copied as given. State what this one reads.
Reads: 5.30
